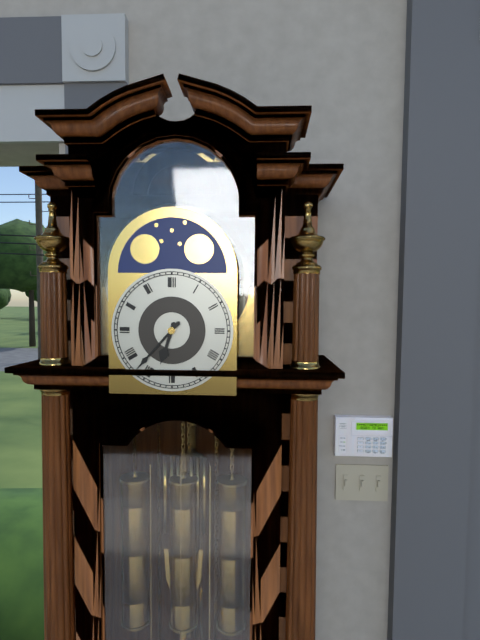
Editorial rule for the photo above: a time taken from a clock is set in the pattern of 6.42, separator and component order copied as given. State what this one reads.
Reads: 6.37
